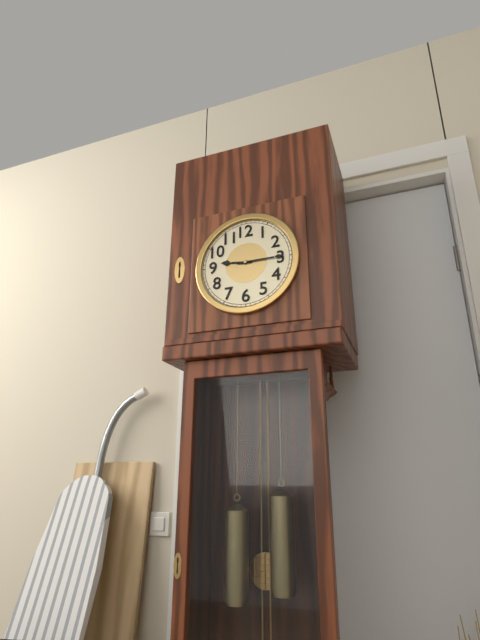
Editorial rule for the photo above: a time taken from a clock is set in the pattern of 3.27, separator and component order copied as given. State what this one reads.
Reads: 9.15
